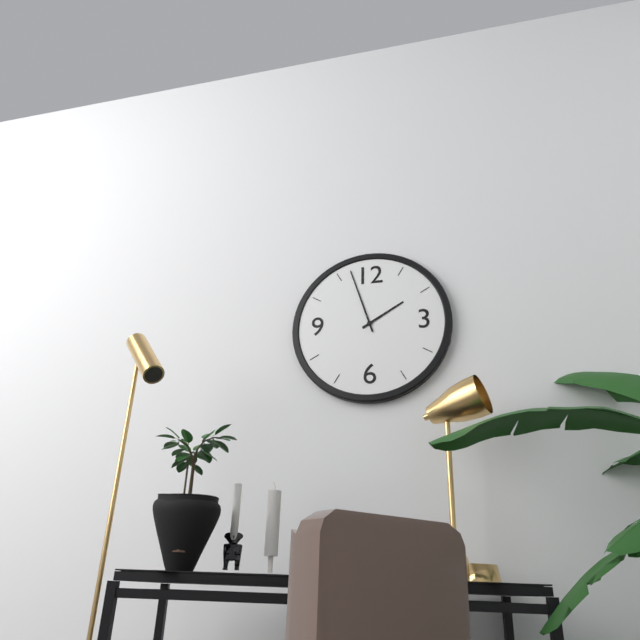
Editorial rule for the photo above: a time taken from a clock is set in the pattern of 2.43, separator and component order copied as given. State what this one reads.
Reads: 1.57
